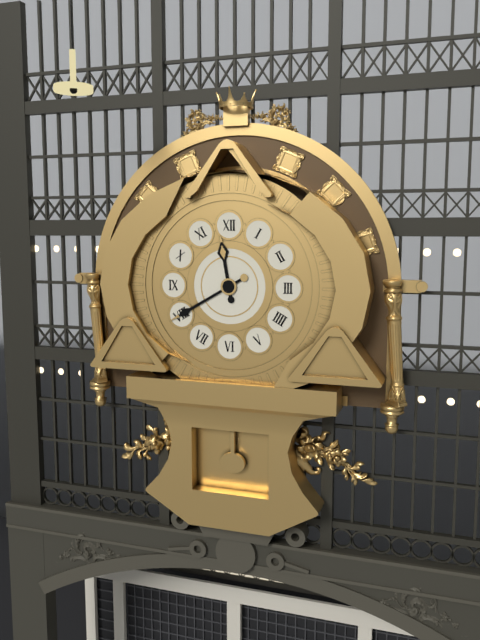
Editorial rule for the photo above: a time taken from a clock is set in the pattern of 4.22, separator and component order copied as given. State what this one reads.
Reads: 11.40
